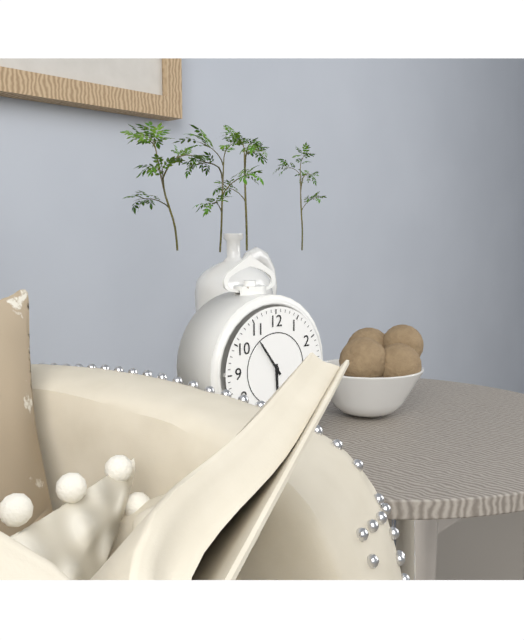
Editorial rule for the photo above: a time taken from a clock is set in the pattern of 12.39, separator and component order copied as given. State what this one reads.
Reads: 5.54
